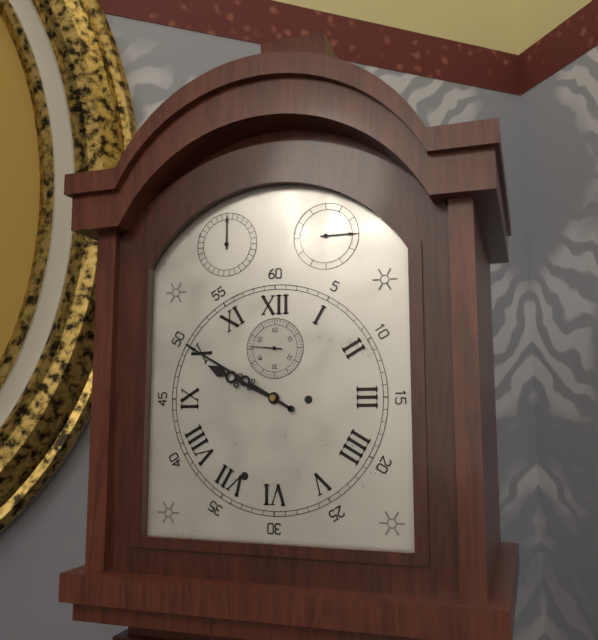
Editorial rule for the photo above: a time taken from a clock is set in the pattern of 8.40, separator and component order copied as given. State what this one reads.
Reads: 9.50
